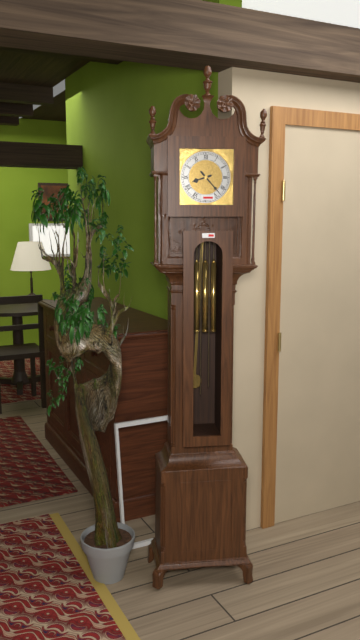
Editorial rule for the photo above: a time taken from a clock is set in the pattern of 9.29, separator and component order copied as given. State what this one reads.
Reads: 8.23
